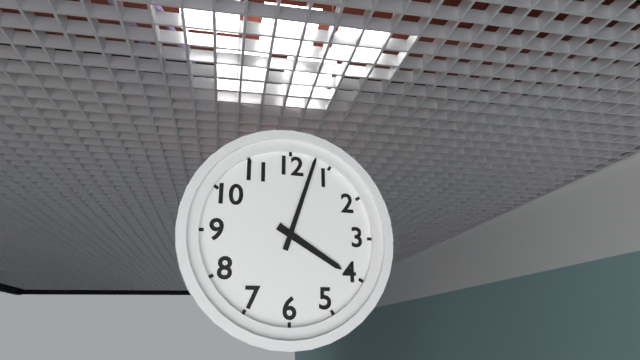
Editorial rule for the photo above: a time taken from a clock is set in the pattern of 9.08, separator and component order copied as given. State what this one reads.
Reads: 4.03
